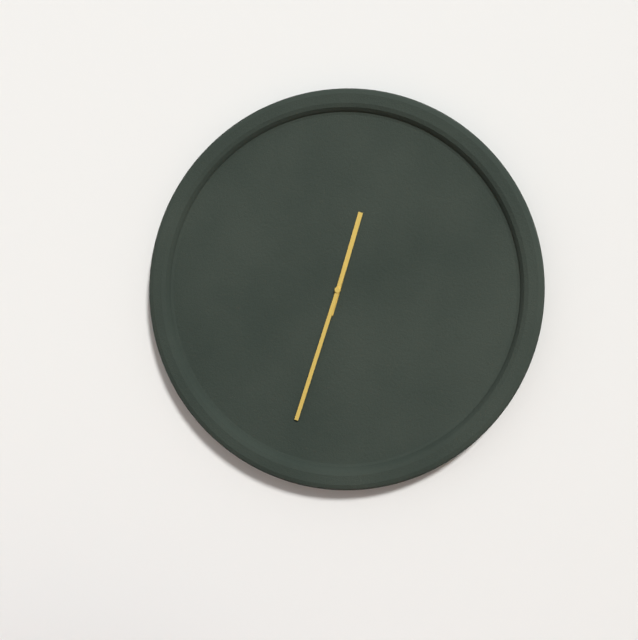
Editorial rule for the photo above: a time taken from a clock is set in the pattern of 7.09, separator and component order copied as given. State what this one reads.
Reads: 12.33
